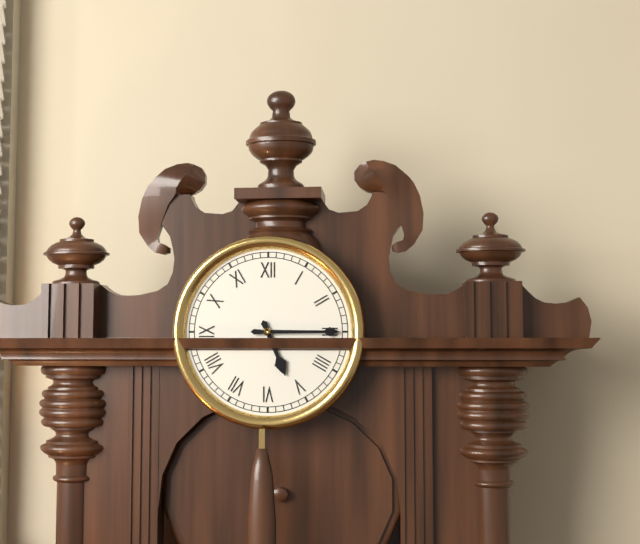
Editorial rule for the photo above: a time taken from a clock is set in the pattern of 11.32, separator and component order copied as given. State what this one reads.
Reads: 5.15
